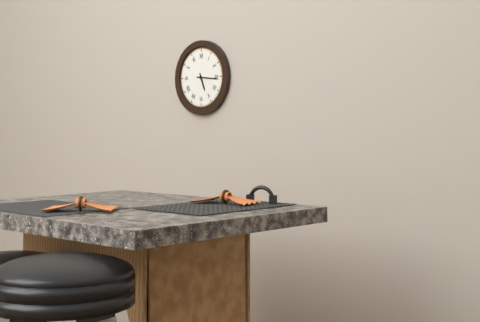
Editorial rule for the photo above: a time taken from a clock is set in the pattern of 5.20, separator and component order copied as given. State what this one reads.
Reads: 5.16
